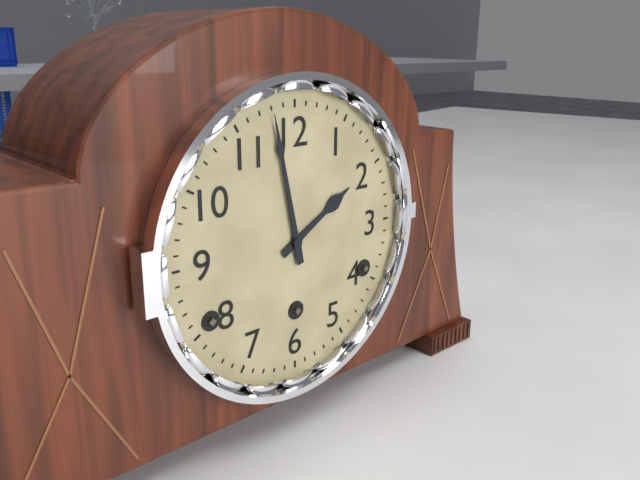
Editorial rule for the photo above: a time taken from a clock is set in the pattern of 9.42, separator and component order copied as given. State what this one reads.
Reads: 1.58
